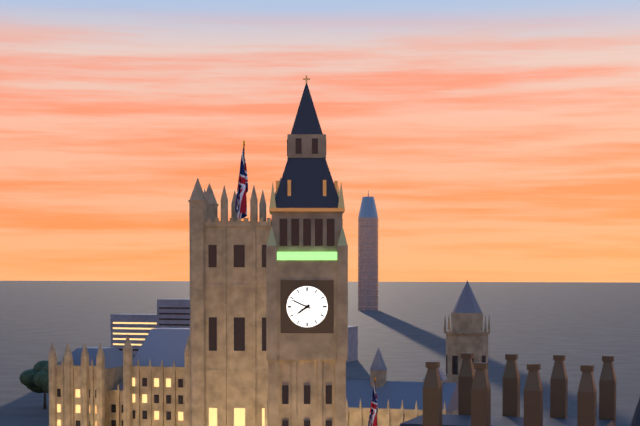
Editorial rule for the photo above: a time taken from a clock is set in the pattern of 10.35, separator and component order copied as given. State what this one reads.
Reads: 7.49
